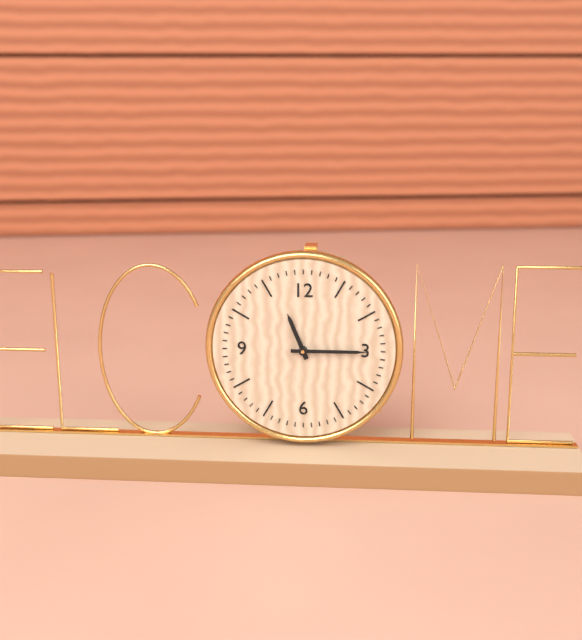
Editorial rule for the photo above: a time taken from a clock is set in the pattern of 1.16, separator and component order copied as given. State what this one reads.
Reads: 11.15
